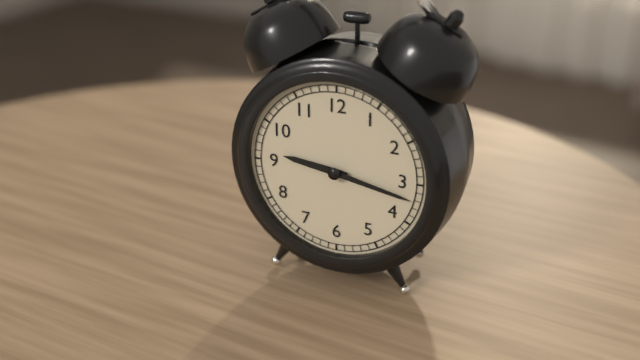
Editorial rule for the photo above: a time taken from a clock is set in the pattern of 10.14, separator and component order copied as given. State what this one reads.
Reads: 9.17
